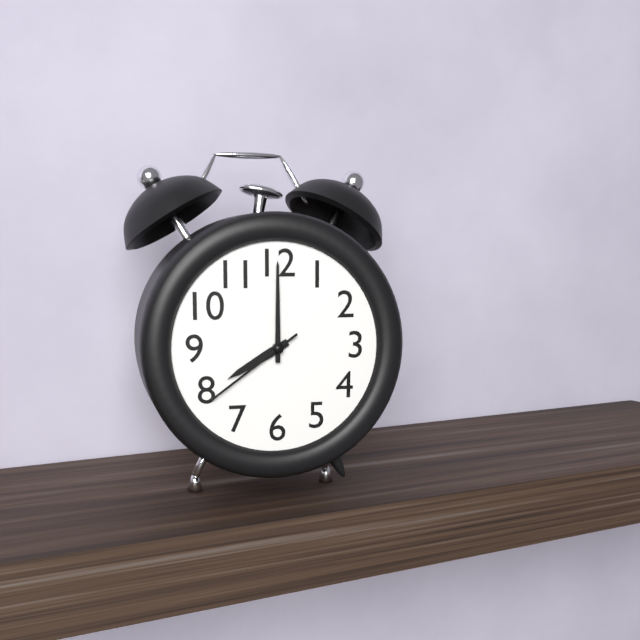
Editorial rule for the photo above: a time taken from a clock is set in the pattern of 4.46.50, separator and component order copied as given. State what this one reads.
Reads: 8.00.39
